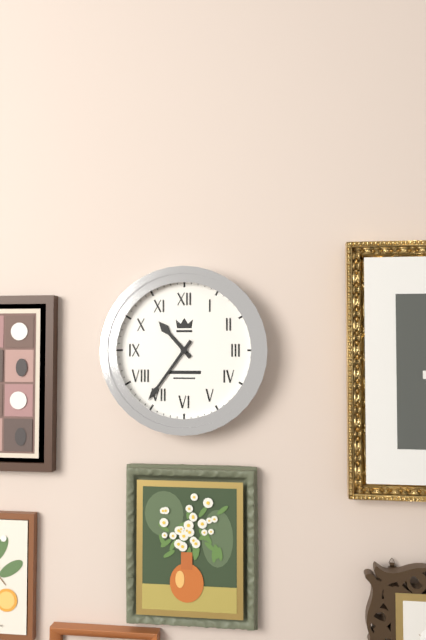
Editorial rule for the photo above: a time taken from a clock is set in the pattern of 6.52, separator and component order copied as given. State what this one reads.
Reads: 10.36
